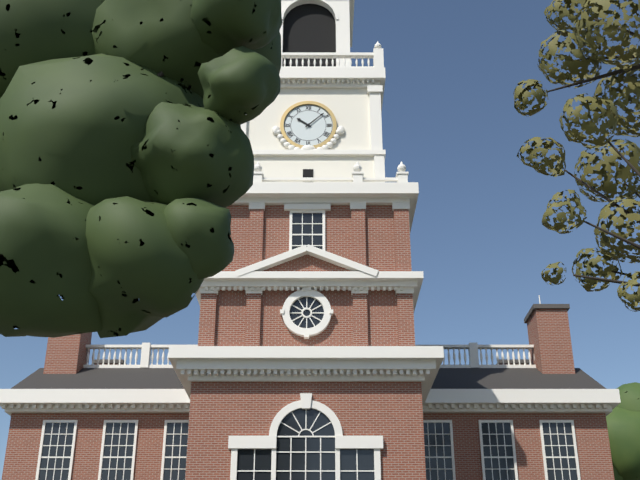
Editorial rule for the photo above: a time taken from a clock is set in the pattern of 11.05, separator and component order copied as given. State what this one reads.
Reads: 10.08
